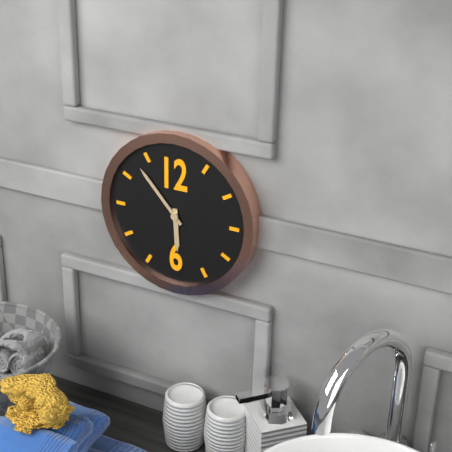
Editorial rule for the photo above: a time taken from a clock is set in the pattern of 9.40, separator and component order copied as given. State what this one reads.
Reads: 5.53
